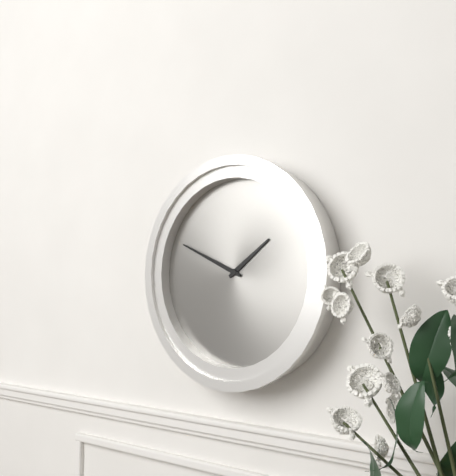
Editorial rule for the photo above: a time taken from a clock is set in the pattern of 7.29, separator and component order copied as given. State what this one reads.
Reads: 1.49
